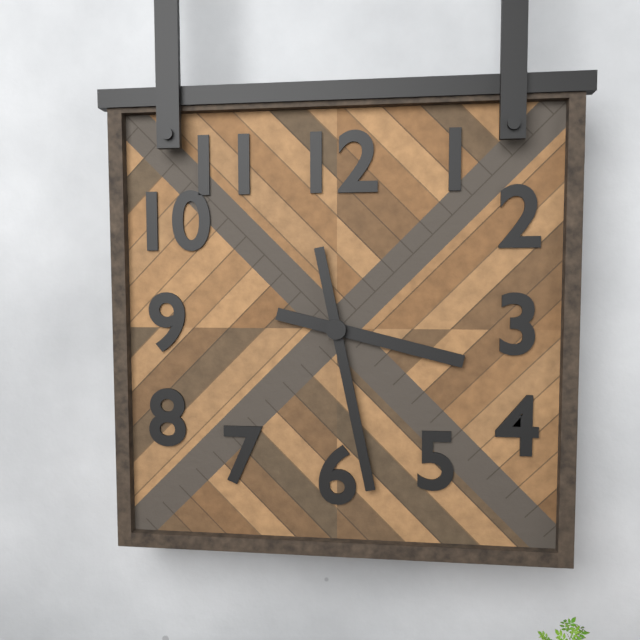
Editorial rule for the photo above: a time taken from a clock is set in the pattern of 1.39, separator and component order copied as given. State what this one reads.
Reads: 3.28
